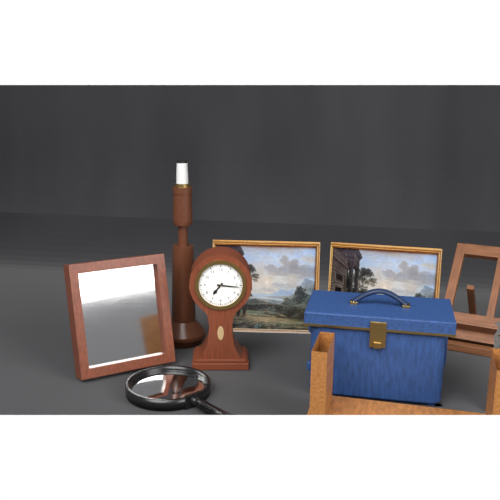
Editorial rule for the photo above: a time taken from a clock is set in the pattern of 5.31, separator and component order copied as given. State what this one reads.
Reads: 7.16
